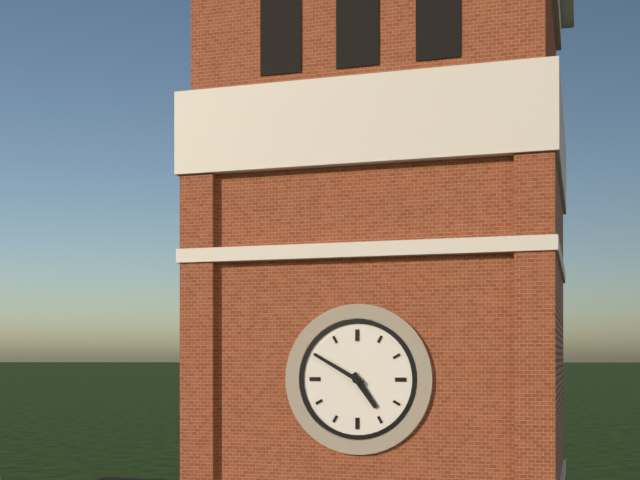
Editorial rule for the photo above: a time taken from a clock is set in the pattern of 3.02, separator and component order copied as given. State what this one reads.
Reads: 4.50
